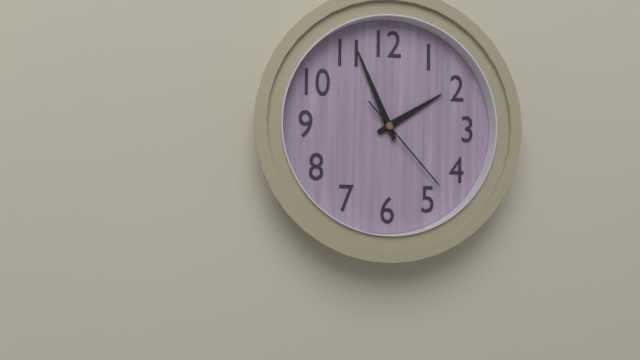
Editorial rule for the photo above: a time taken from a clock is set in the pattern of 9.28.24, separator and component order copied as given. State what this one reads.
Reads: 1.56.23
